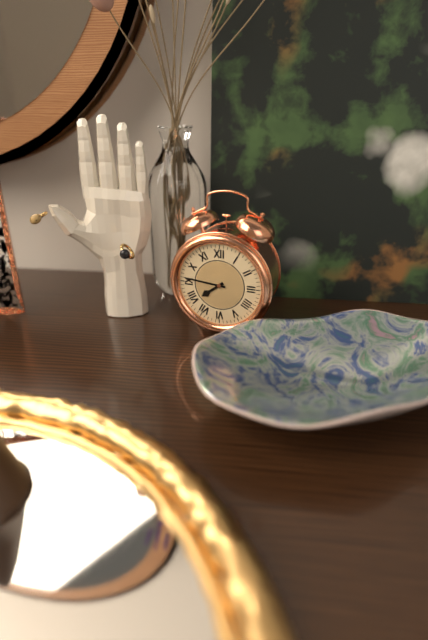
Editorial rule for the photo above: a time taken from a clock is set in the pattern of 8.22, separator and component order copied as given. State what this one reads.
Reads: 7.46
